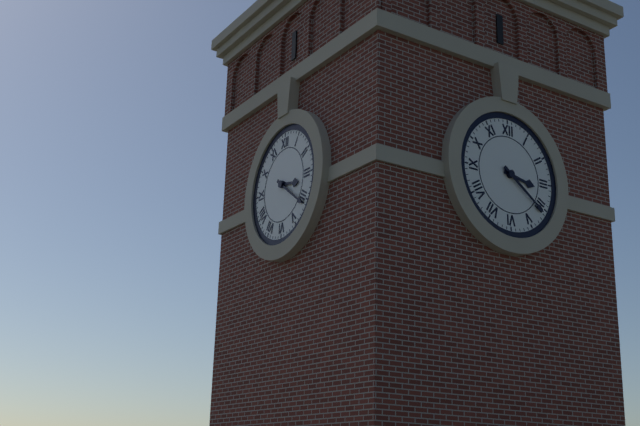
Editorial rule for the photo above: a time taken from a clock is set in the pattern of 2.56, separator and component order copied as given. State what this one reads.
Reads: 3.21
